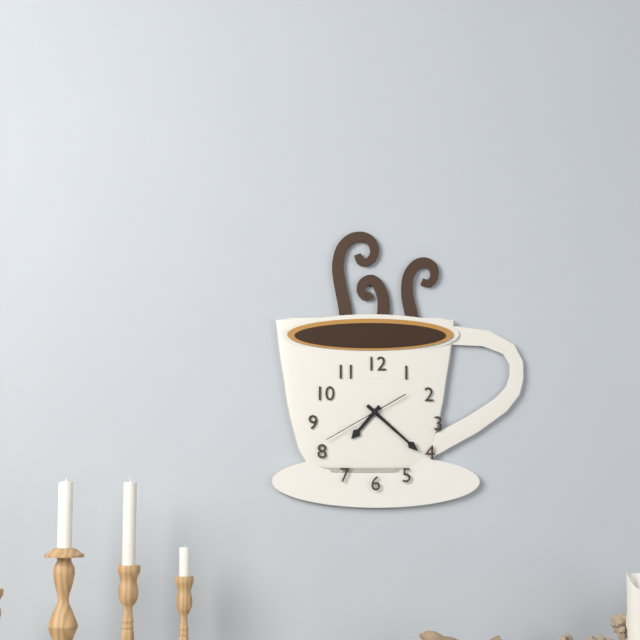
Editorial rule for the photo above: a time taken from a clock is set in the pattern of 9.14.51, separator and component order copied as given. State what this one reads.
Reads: 7.22.40
